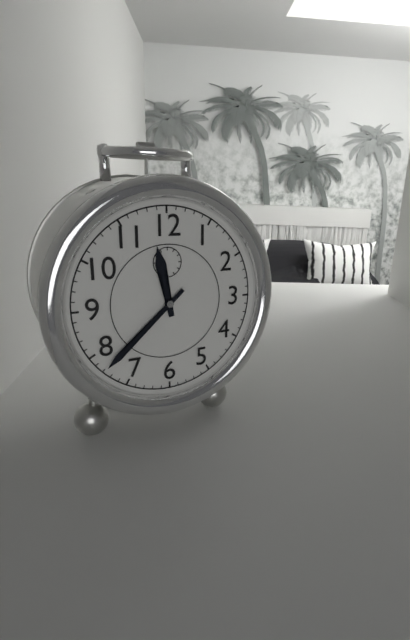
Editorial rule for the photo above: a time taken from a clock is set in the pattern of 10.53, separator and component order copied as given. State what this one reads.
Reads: 11.38
